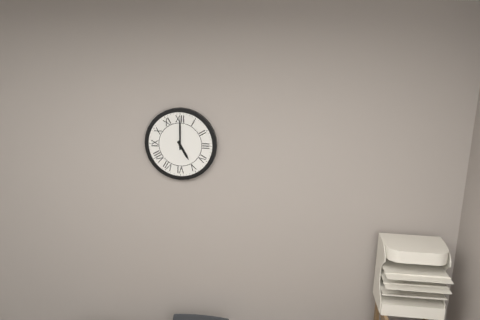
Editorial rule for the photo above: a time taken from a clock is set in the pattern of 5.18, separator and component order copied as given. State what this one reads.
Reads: 5.00
